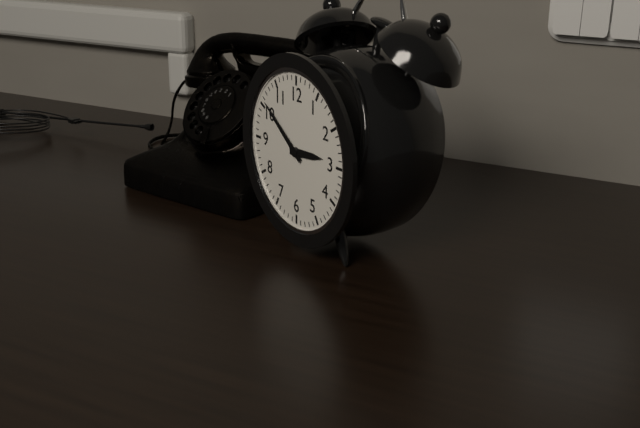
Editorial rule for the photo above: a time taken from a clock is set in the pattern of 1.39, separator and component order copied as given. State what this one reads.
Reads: 2.51
